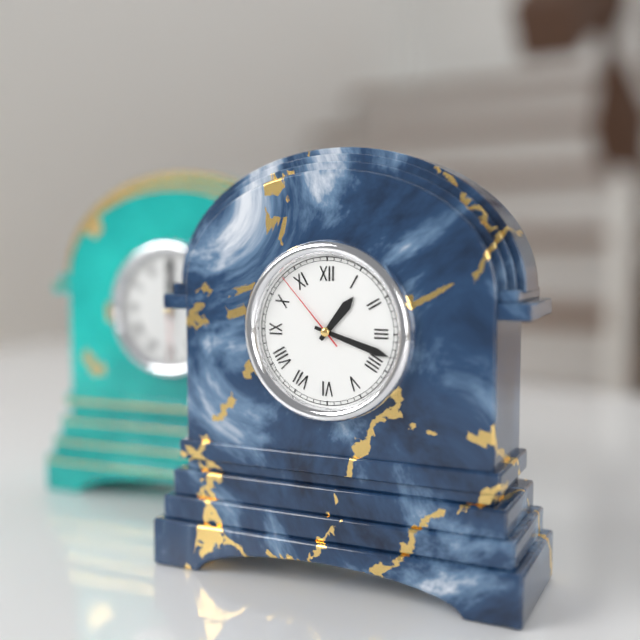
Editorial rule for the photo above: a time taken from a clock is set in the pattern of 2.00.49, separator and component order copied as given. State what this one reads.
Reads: 1.18.53
